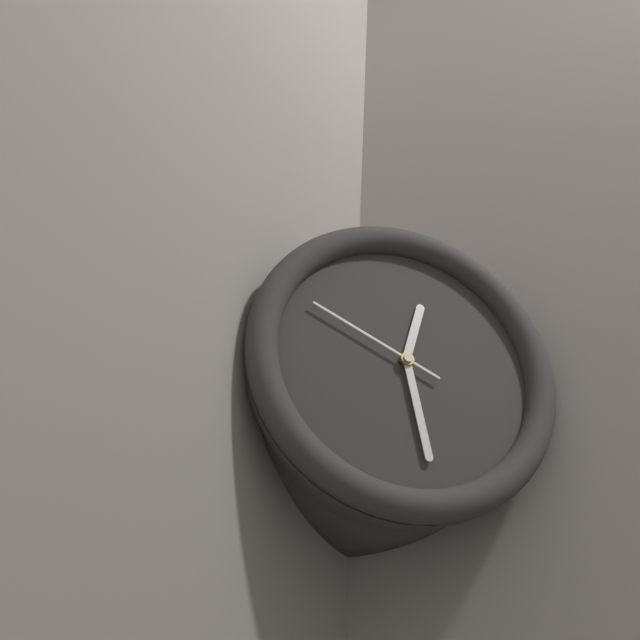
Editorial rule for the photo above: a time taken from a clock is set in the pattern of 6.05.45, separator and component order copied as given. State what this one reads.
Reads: 12.28.49
